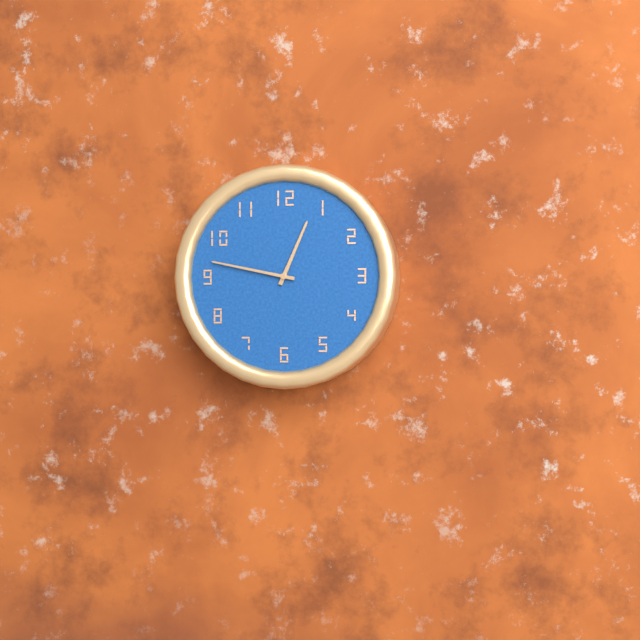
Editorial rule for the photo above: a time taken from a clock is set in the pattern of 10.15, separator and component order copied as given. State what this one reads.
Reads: 12.47
